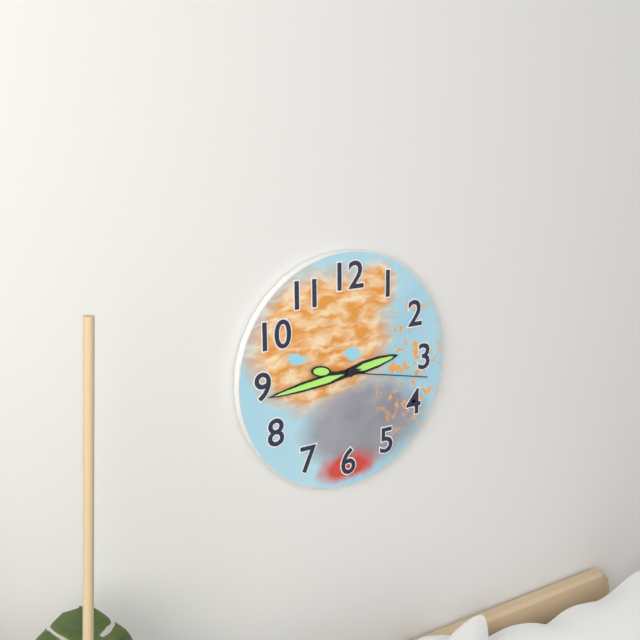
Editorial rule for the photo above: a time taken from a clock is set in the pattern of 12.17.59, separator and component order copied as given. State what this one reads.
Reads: 2.44.17
